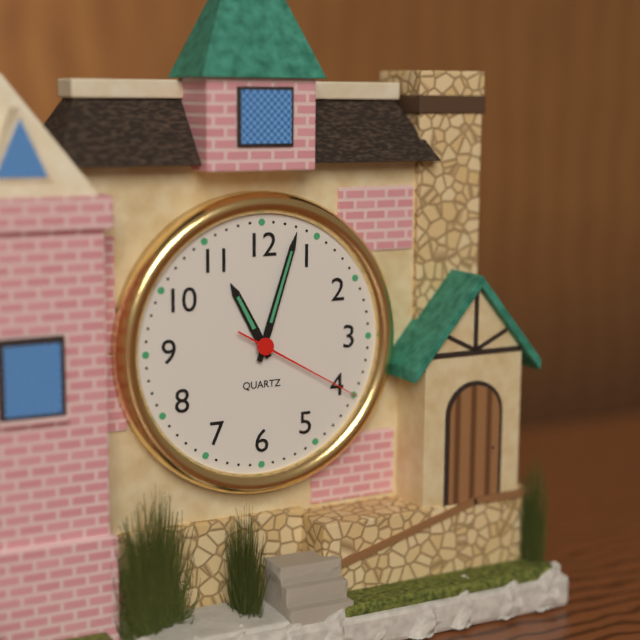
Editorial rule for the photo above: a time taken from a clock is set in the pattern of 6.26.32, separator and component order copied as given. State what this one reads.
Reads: 11.03.20
